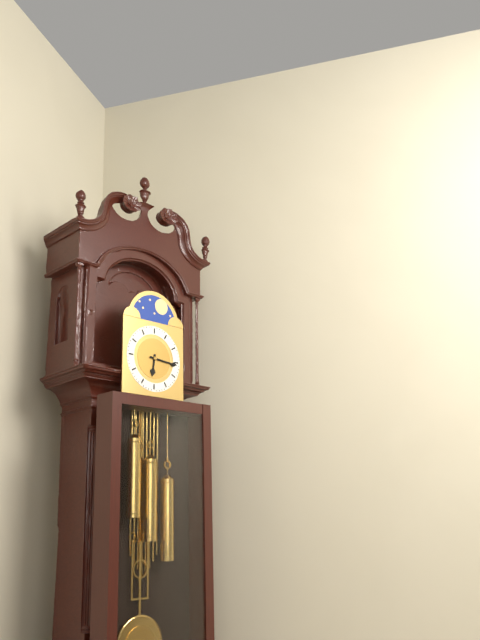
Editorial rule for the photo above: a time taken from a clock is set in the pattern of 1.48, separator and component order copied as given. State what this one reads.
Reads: 6.16
